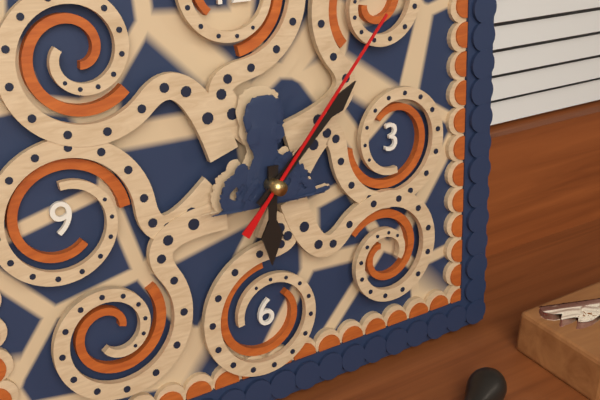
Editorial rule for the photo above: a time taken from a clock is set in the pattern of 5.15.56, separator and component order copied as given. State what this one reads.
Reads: 6.08.07
